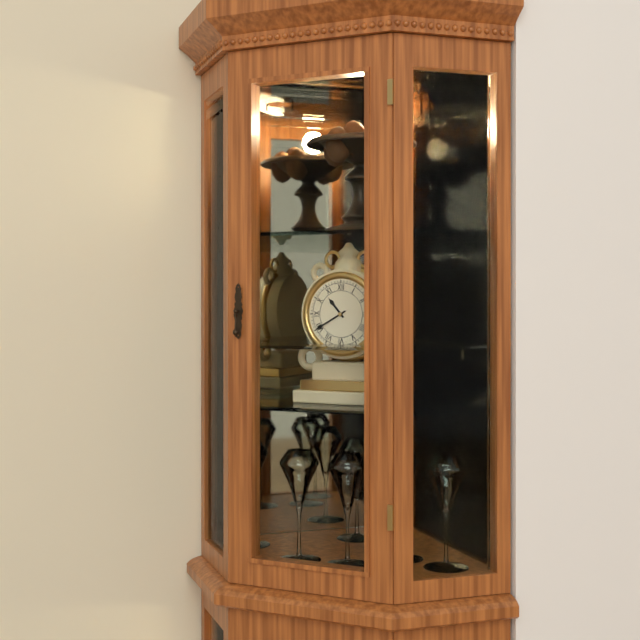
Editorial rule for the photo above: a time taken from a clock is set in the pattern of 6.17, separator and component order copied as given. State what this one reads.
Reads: 10.40
